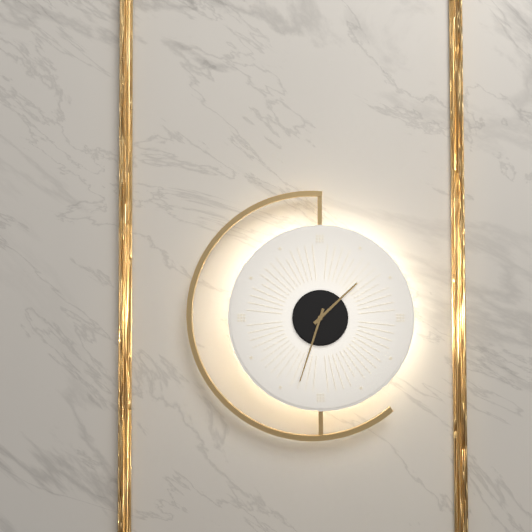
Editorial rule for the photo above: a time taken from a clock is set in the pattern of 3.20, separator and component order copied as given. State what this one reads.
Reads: 1.33
